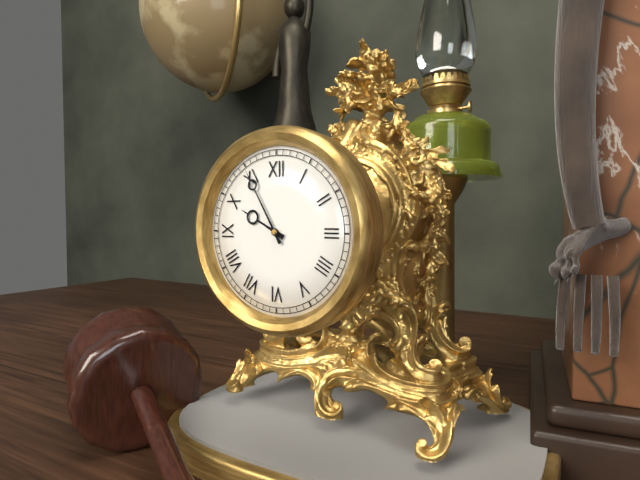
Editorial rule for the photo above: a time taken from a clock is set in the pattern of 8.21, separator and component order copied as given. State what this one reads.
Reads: 9.55
